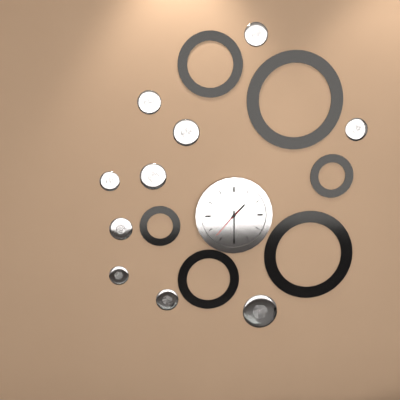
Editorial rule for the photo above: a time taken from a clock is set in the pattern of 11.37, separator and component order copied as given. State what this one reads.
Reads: 1.30
